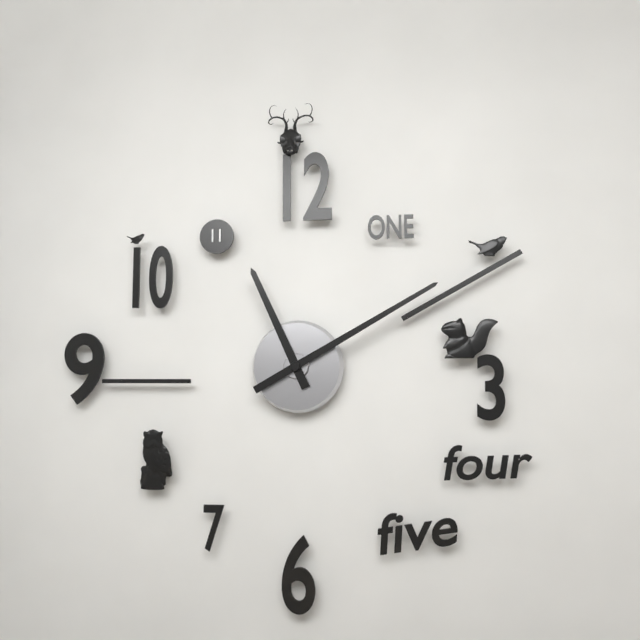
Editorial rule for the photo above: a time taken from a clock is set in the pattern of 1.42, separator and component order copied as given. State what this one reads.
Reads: 11.10
